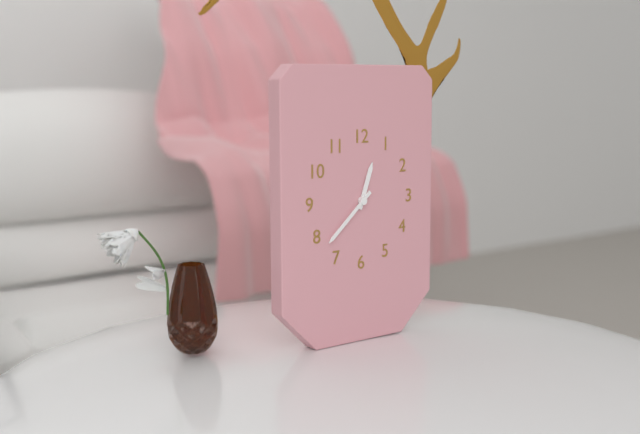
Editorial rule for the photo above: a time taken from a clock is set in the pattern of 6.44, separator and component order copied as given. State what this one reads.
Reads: 12.38
